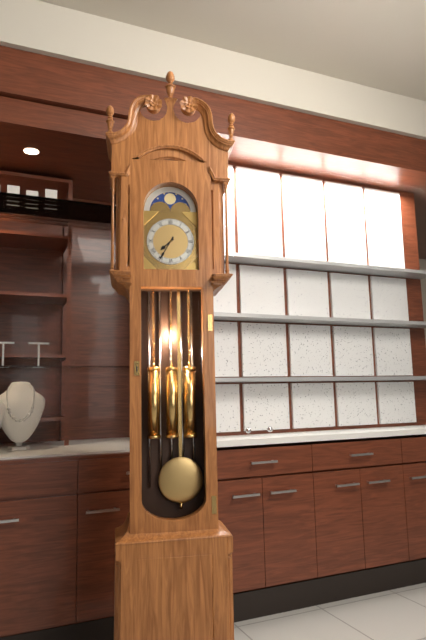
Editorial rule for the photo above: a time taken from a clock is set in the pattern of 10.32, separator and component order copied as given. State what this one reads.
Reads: 7.35
